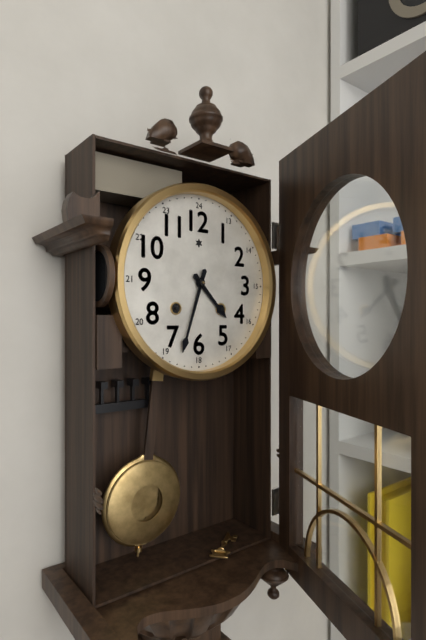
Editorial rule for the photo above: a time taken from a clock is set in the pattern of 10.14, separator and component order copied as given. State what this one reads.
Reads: 4.33
